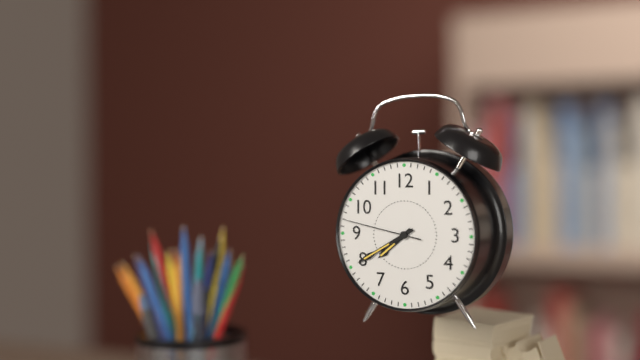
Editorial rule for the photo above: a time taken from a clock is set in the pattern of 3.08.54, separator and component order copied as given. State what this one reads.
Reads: 7.40.47
